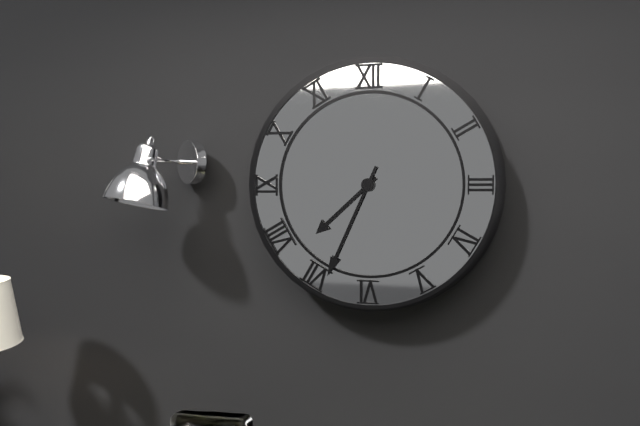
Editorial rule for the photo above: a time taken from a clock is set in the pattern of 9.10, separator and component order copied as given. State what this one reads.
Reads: 7.34
